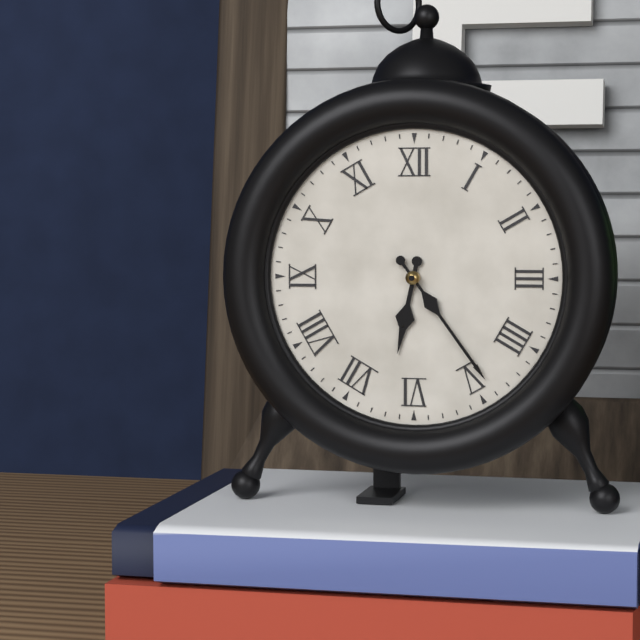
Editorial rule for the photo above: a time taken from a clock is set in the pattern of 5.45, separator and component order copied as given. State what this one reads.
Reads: 6.24
